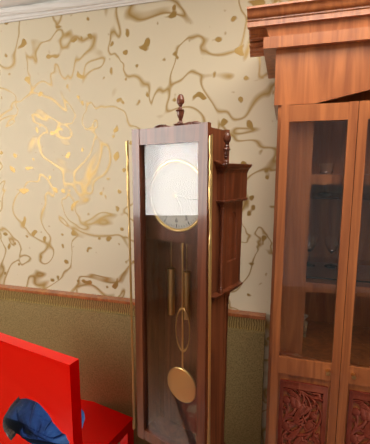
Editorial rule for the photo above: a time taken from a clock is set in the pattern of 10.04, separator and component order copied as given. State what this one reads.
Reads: 5.16
